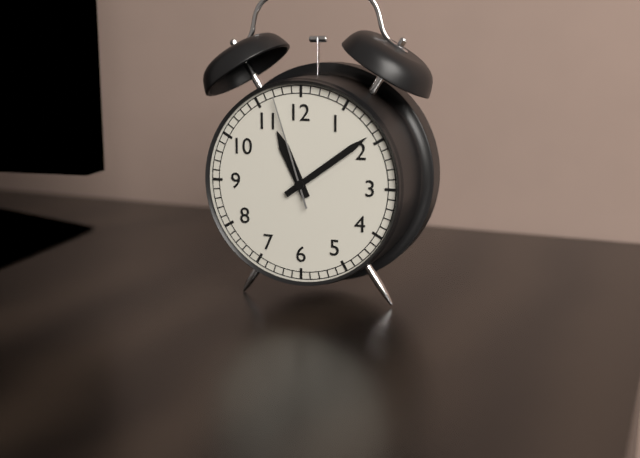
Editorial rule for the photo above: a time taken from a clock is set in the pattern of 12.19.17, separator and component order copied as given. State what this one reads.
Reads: 11.09.57
